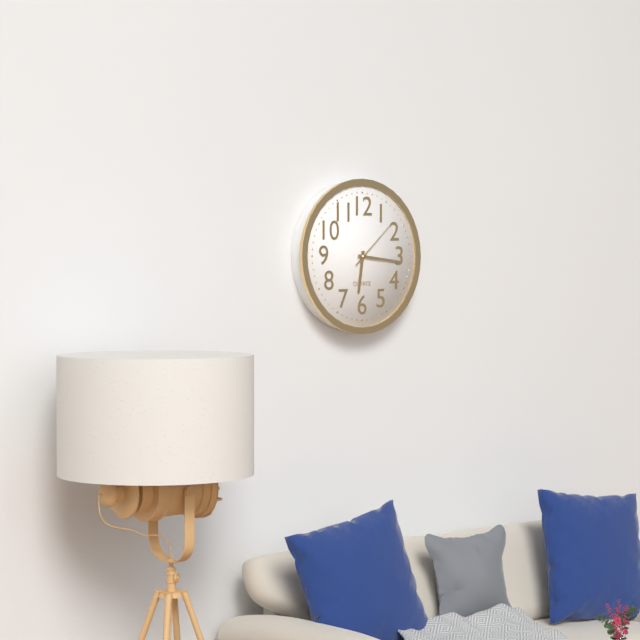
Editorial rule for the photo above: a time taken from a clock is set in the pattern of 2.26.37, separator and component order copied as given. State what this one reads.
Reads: 6.16.08
